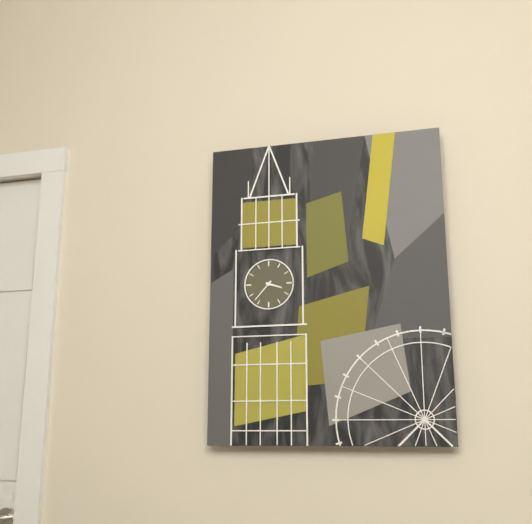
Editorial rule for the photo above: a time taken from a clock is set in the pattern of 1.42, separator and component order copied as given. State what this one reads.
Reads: 3.37
